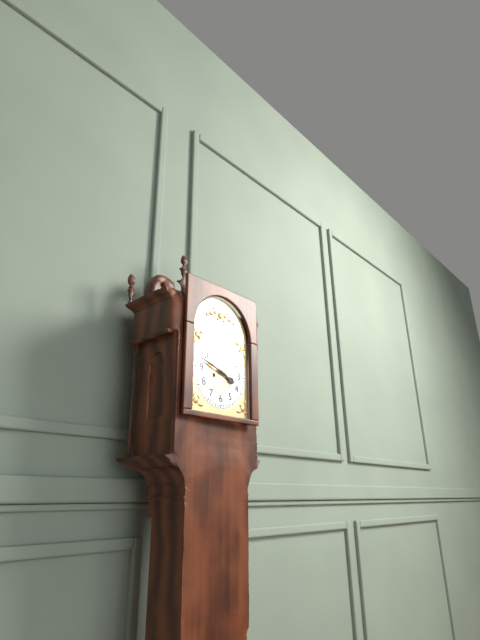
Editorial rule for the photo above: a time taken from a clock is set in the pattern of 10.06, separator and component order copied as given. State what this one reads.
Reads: 3.48
